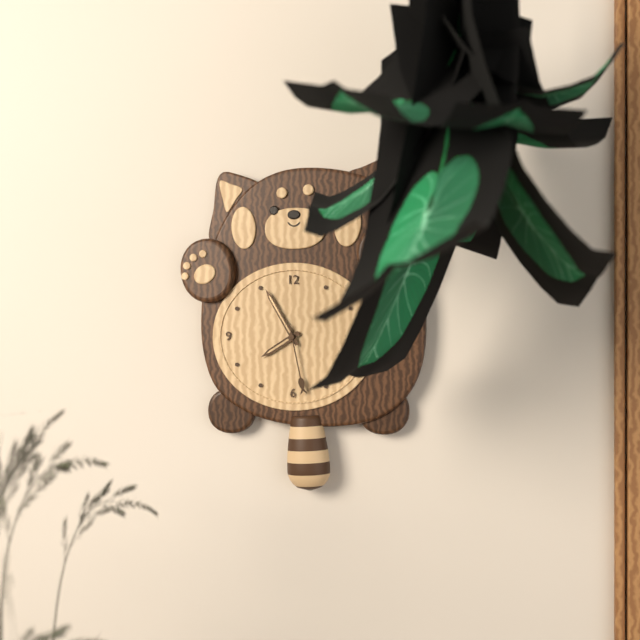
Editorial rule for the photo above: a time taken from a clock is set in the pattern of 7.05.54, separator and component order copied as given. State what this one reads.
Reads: 7.55.28
